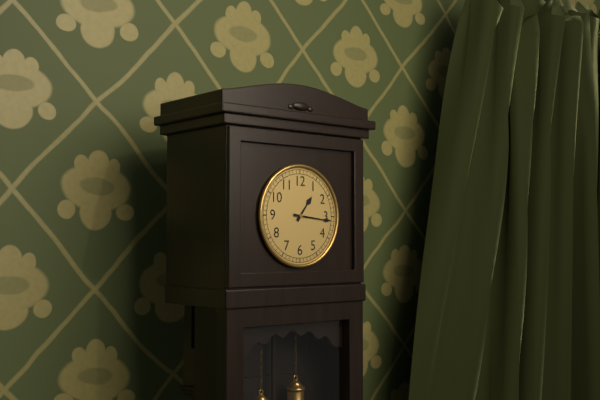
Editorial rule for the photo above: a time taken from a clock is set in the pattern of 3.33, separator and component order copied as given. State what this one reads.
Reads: 1.16
